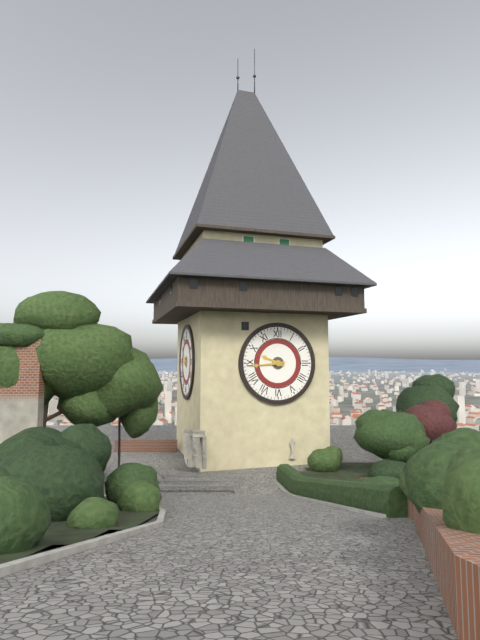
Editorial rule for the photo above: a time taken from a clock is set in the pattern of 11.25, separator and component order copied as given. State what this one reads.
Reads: 9.44
